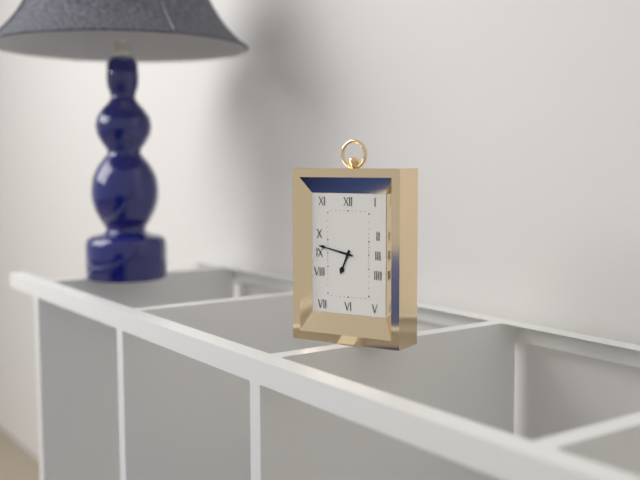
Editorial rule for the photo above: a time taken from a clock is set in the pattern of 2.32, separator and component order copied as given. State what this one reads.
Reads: 6.47
